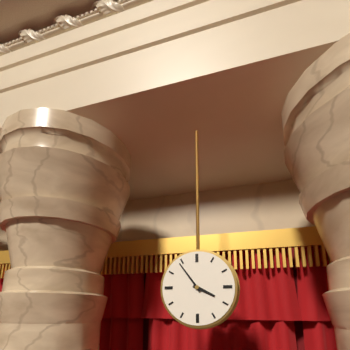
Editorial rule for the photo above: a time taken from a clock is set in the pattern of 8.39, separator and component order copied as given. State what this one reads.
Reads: 3.54
